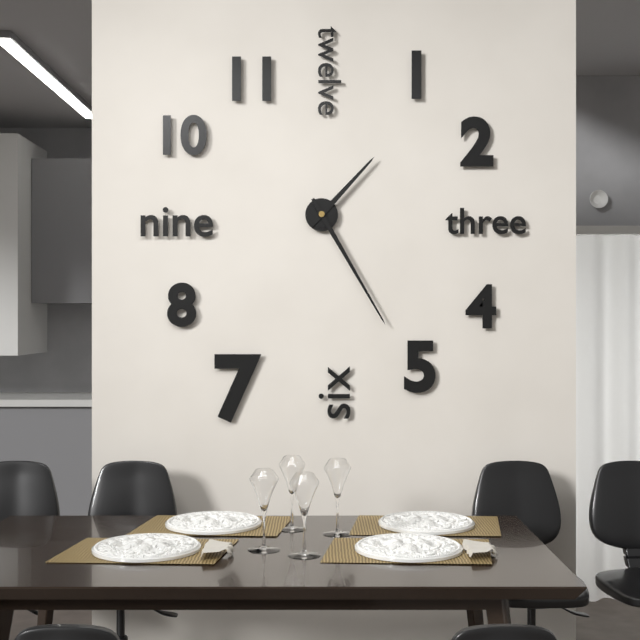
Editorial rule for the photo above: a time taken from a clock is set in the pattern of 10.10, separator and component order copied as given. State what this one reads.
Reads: 1.25
